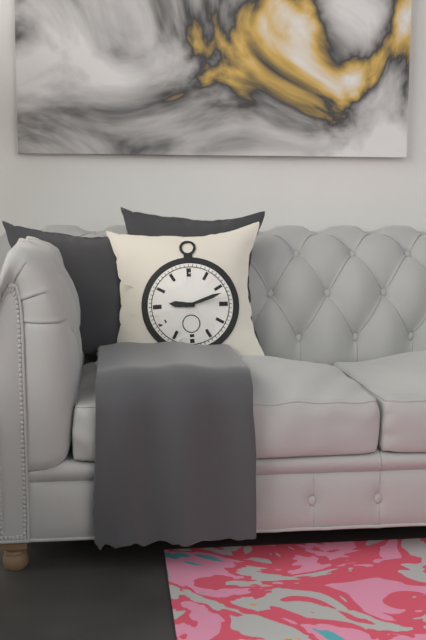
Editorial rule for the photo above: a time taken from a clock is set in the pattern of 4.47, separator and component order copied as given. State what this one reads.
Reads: 9.12
